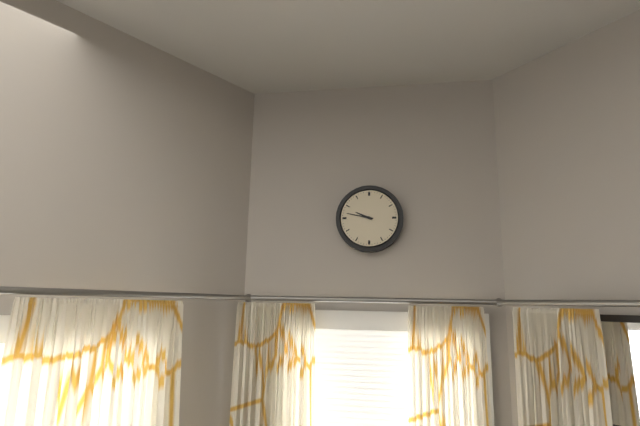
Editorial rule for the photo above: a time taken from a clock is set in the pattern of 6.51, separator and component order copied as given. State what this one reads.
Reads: 9.47
